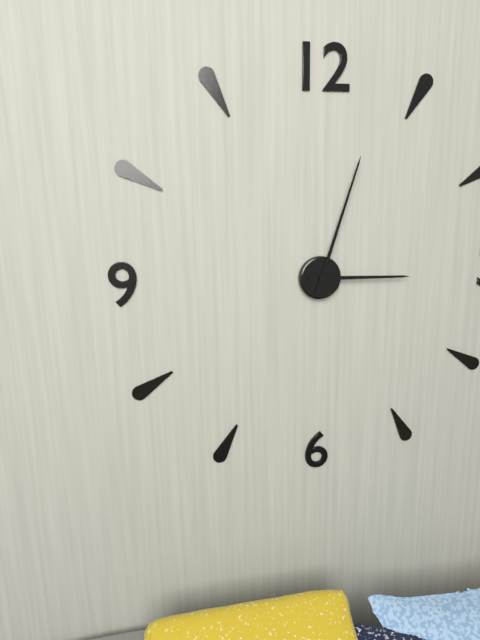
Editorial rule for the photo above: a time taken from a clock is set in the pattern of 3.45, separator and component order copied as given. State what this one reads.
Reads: 3.03
